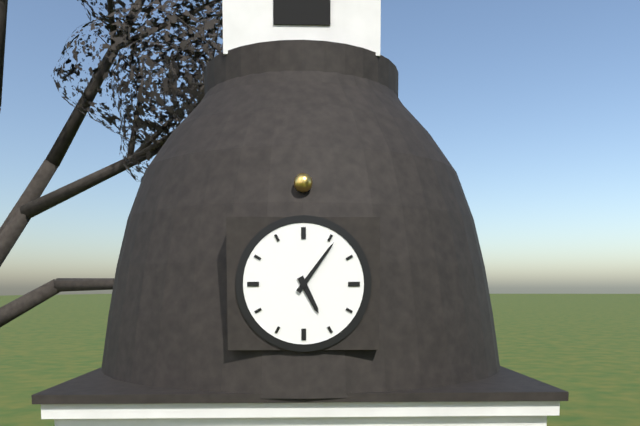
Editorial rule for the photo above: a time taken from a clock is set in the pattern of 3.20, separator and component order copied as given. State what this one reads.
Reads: 5.06
